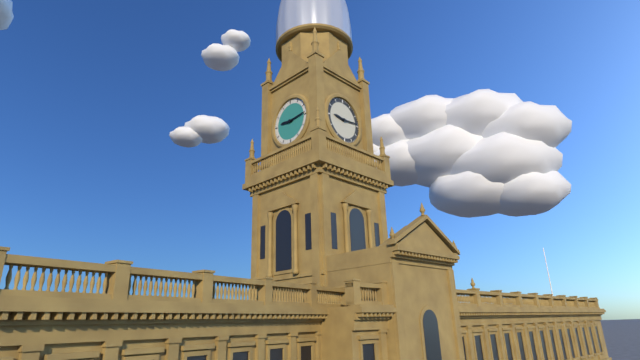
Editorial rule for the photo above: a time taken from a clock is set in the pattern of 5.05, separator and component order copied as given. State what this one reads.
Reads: 9.14
